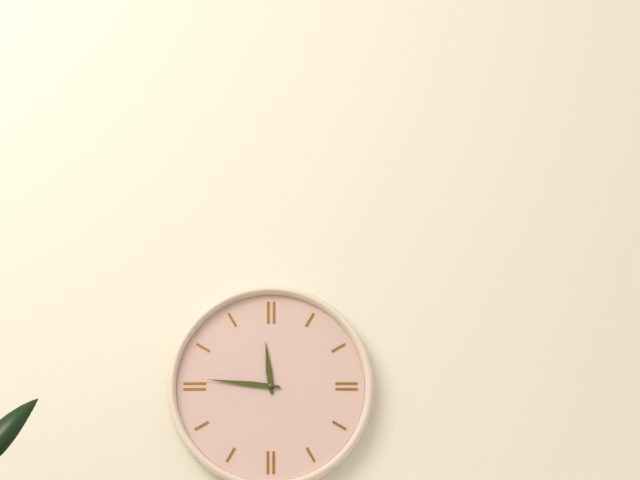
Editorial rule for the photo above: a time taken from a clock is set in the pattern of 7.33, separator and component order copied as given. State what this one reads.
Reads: 11.46
